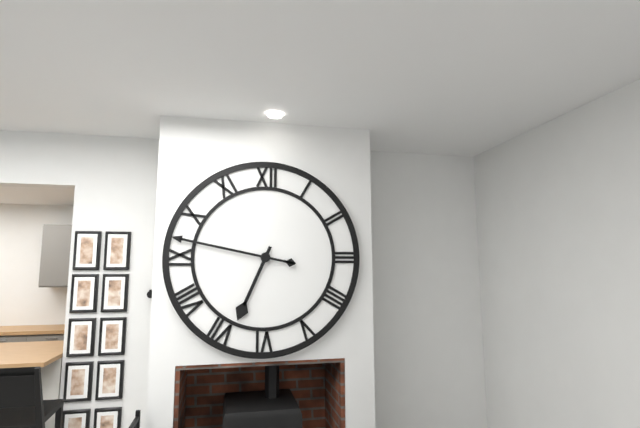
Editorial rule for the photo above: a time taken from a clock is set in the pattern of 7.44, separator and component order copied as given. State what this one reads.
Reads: 6.47
